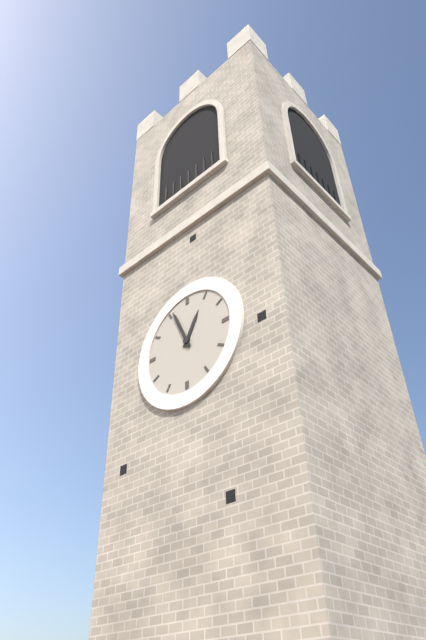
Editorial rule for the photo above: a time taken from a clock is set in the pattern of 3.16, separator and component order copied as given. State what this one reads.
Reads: 12.56
